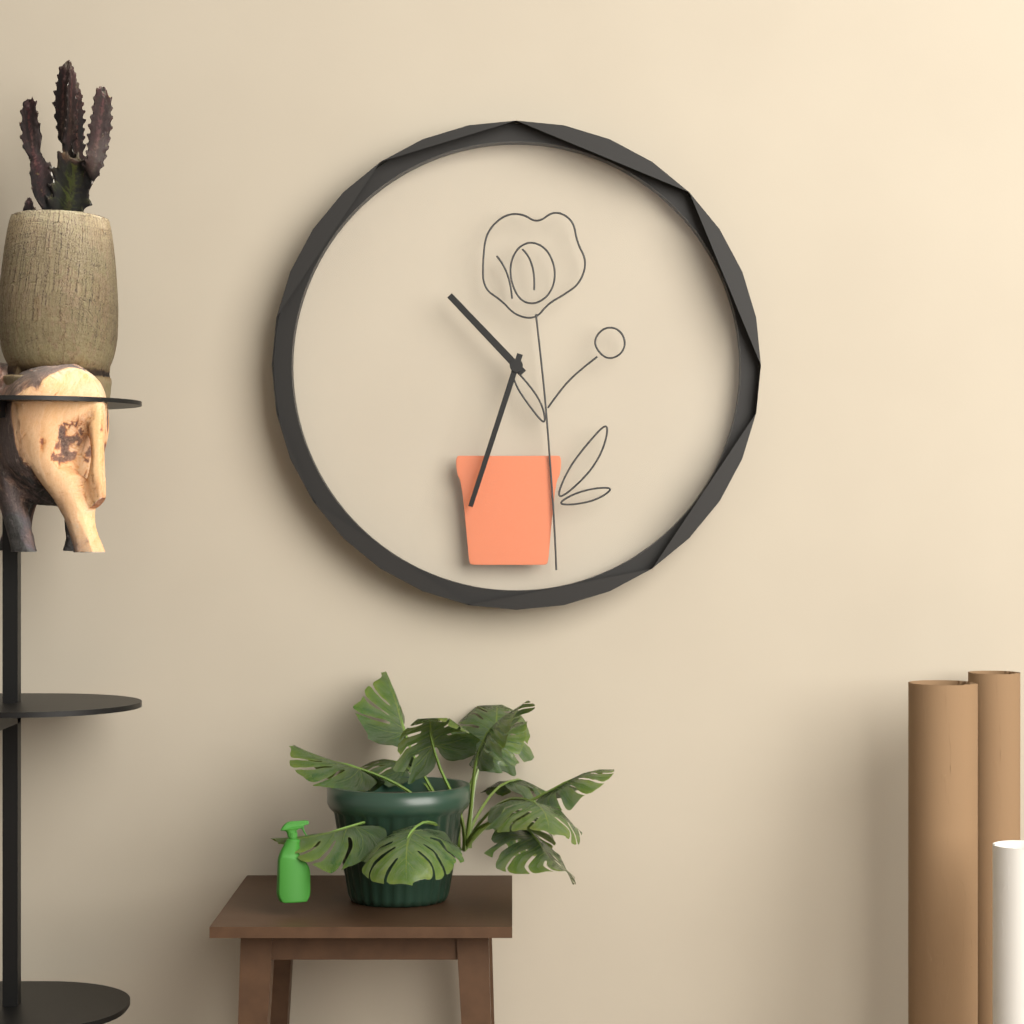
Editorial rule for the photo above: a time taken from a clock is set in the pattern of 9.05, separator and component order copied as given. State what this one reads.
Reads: 10.33
